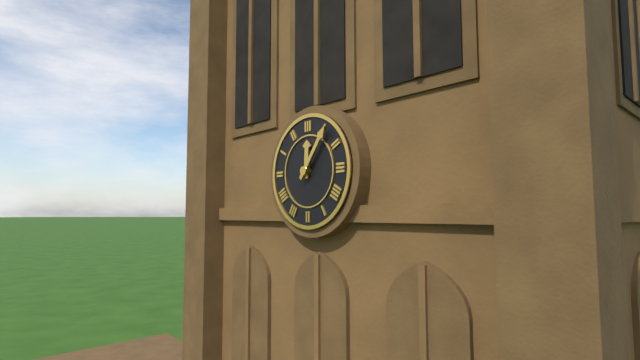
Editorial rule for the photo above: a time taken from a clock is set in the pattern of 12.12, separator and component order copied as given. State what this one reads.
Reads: 12.06
